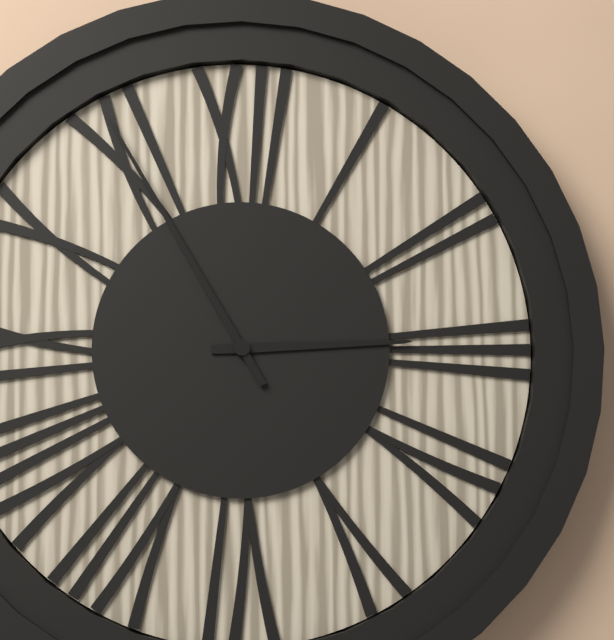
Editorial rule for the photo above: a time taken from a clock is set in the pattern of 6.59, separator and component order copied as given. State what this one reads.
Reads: 2.55
